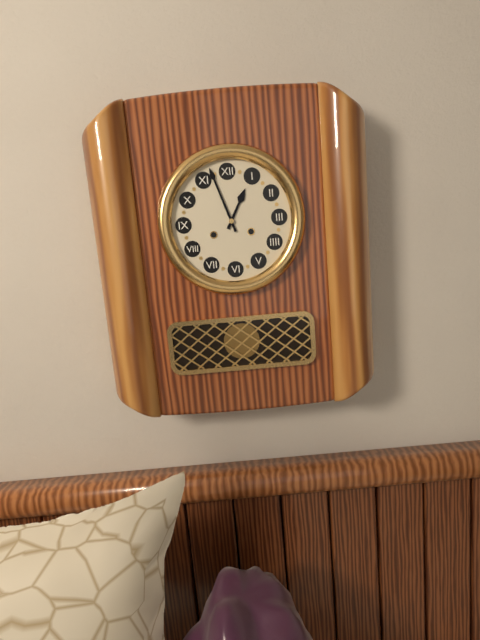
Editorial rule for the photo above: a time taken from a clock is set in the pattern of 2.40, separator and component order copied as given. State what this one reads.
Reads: 12.57
